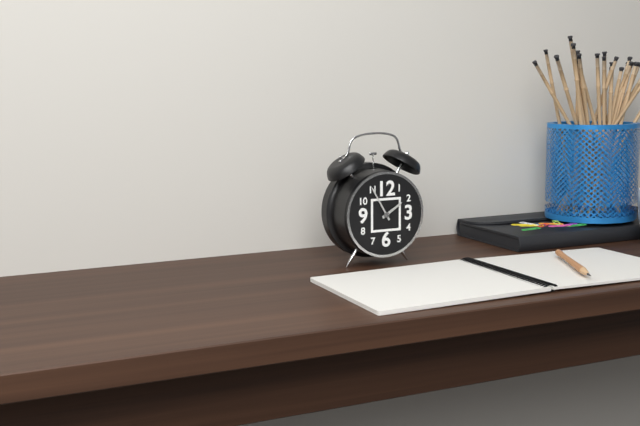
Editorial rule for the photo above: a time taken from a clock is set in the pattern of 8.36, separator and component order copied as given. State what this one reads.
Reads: 1.55
